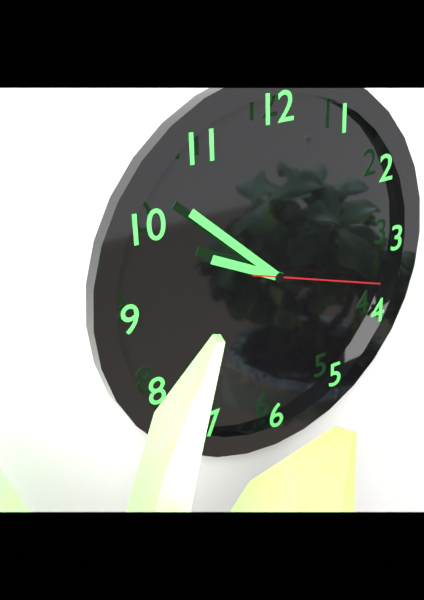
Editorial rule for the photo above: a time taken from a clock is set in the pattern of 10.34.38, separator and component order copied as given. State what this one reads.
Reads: 9.52.18
